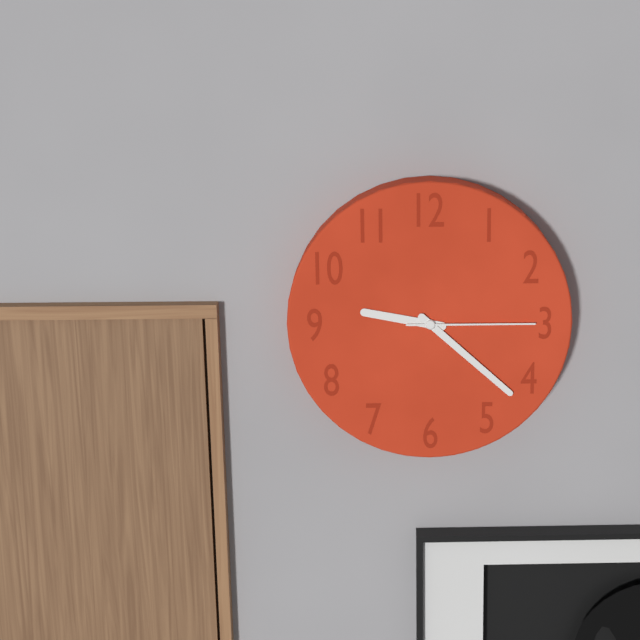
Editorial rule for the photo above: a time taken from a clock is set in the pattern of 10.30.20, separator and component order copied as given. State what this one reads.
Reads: 9.22.15
